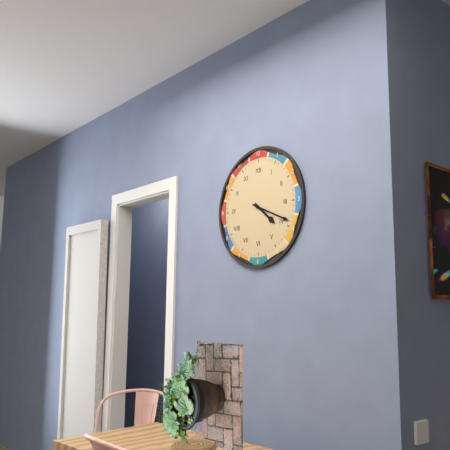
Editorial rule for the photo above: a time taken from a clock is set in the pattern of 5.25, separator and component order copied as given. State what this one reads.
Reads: 4.19
